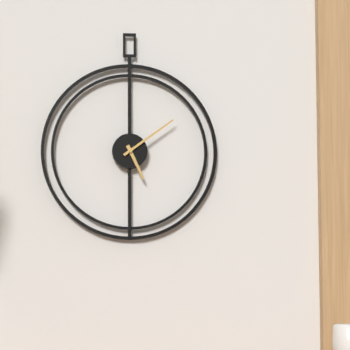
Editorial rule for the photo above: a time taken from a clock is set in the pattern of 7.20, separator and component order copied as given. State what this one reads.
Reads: 5.09
